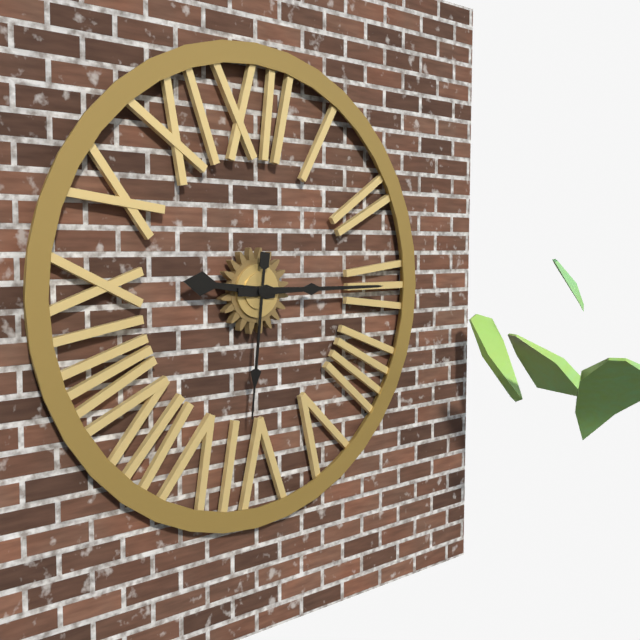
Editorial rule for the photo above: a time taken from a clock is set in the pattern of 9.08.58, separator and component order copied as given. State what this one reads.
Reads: 9.15.31
